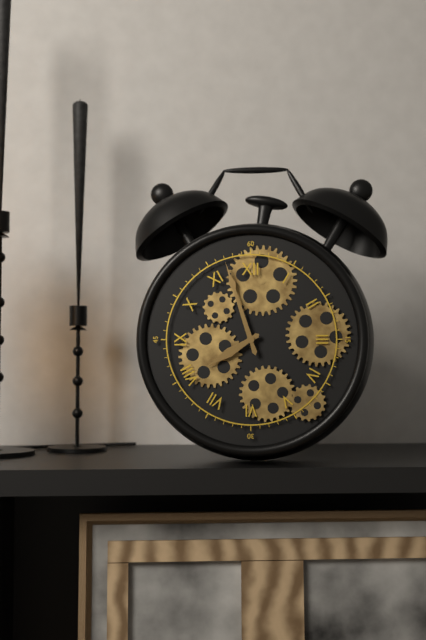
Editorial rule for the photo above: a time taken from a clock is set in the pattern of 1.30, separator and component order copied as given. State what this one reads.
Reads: 7.57
